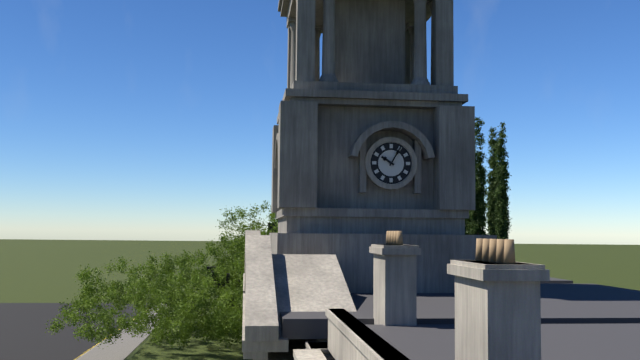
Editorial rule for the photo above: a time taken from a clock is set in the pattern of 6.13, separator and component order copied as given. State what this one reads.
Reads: 10.05
